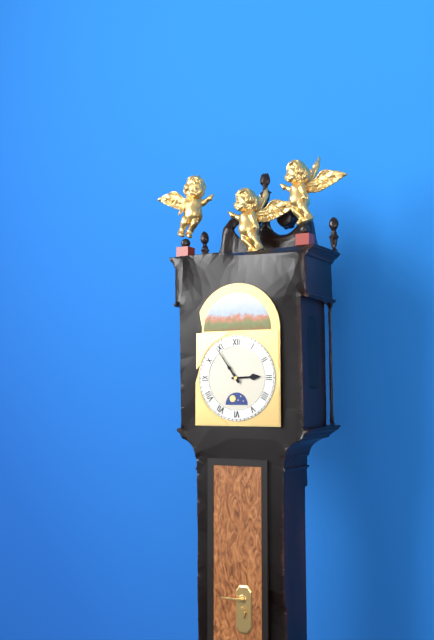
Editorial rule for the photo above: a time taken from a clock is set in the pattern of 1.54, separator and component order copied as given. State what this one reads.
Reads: 2.54
